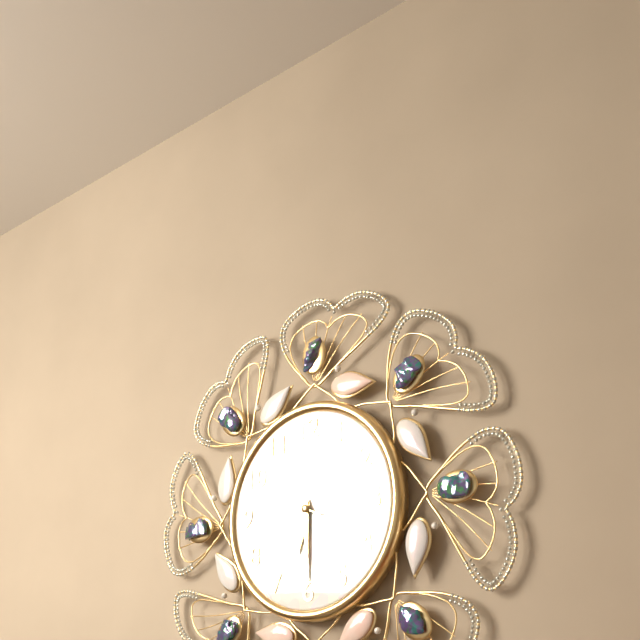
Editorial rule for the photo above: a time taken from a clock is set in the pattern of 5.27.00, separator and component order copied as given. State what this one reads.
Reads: 6.30.49
